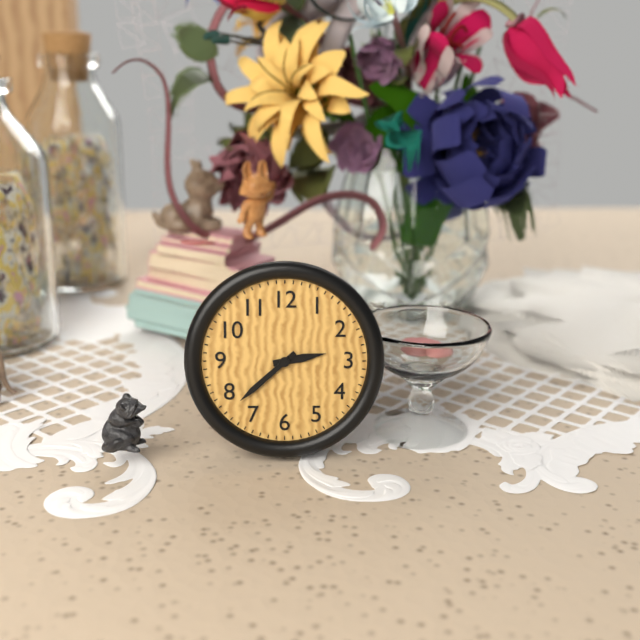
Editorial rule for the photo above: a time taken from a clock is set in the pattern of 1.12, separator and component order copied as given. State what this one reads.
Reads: 2.38
